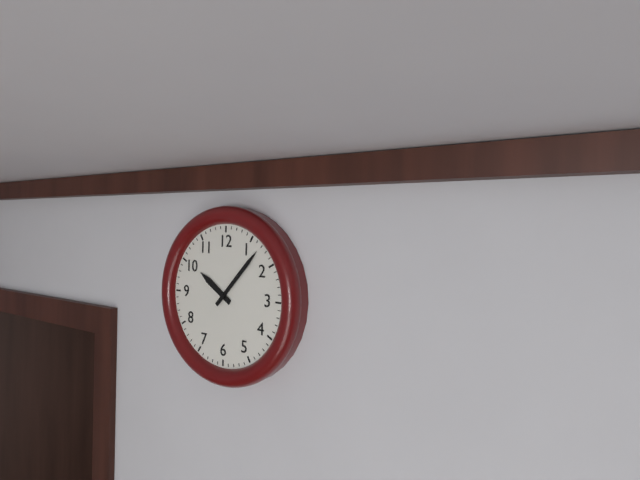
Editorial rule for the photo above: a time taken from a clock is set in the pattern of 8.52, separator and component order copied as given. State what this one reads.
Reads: 10.07
